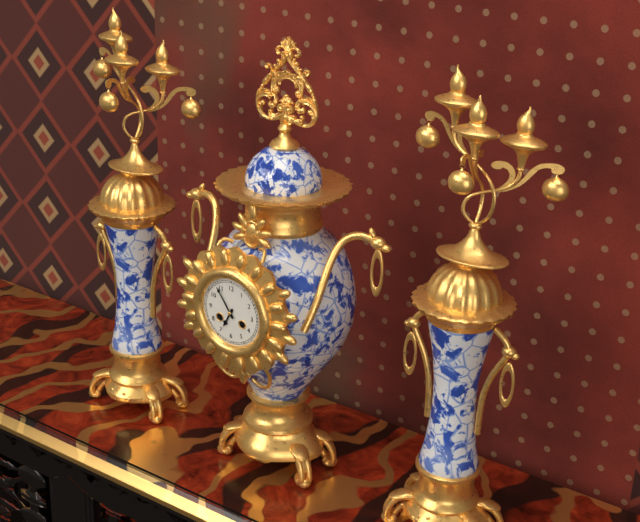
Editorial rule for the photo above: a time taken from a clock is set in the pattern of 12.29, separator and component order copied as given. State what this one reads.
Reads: 6.54
